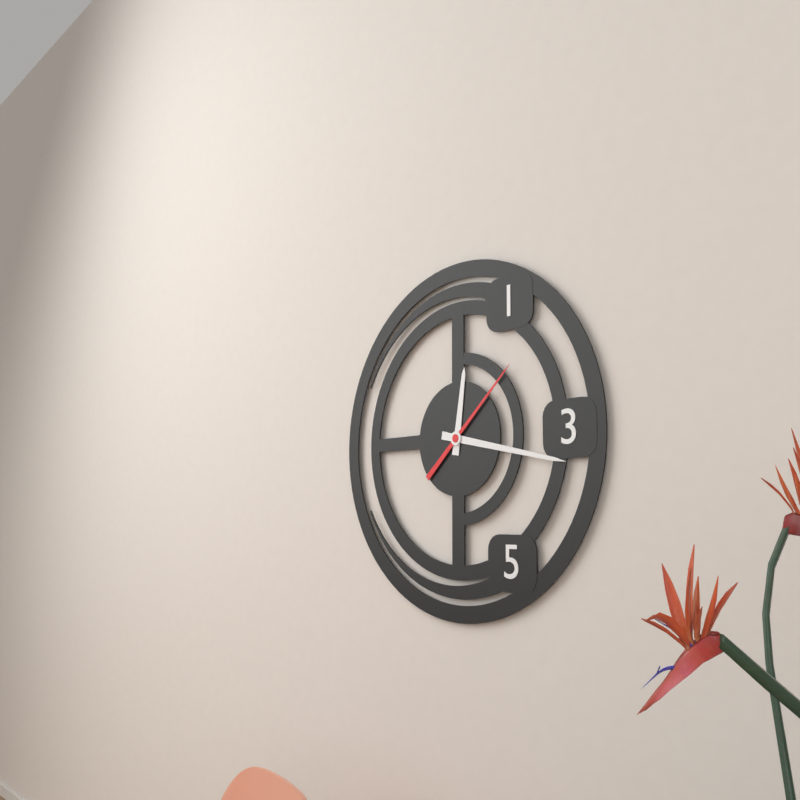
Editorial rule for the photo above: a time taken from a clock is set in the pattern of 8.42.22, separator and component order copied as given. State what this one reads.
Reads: 12.17.08
